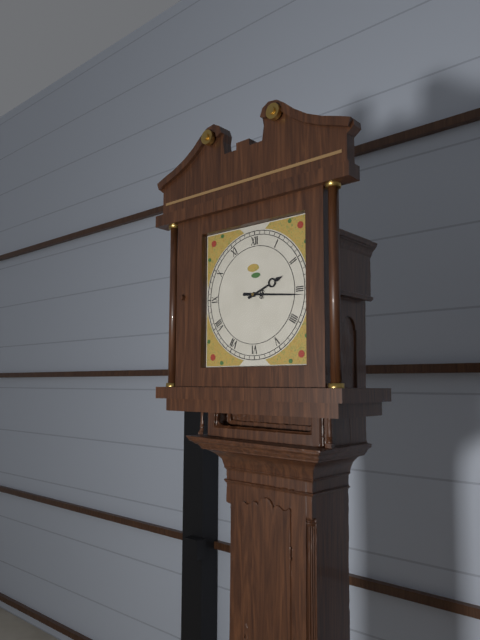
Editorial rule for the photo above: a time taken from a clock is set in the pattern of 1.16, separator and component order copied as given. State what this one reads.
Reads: 2.16
